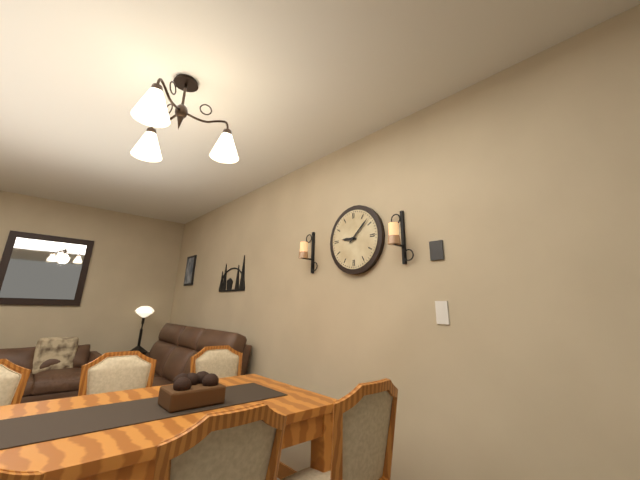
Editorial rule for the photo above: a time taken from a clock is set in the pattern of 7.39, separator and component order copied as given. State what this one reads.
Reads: 9.08
